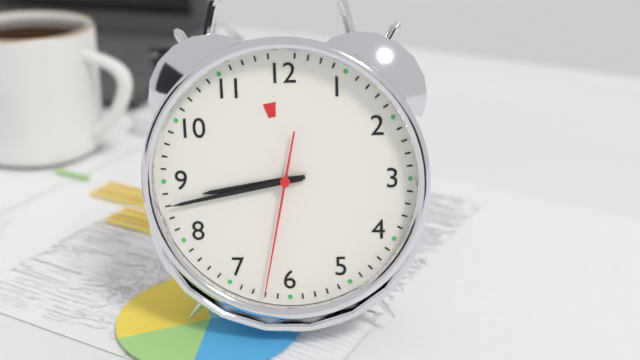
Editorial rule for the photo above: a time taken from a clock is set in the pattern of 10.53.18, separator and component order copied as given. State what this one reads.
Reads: 8.43.32
